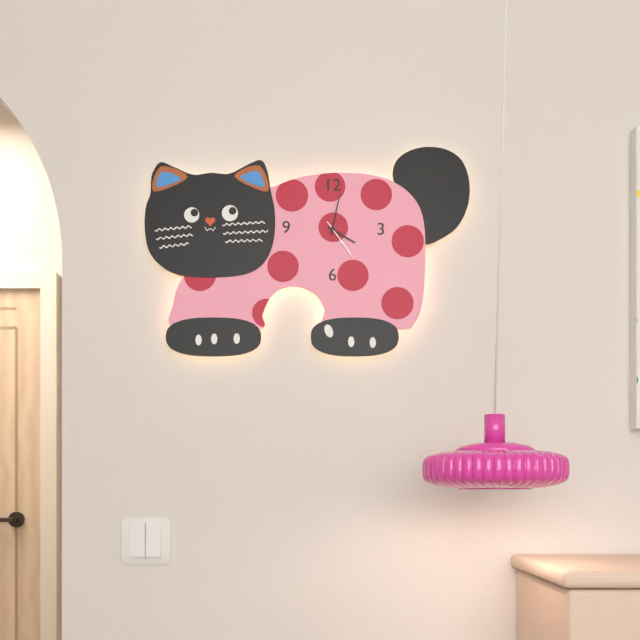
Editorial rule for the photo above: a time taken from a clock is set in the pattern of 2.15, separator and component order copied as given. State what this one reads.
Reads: 4.02
